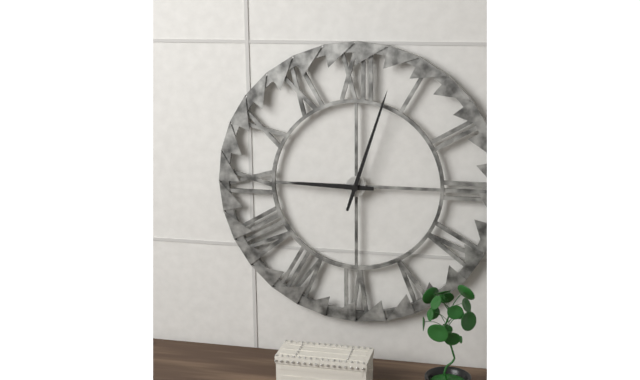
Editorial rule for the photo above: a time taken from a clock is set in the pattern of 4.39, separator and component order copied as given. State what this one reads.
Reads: 9.03
